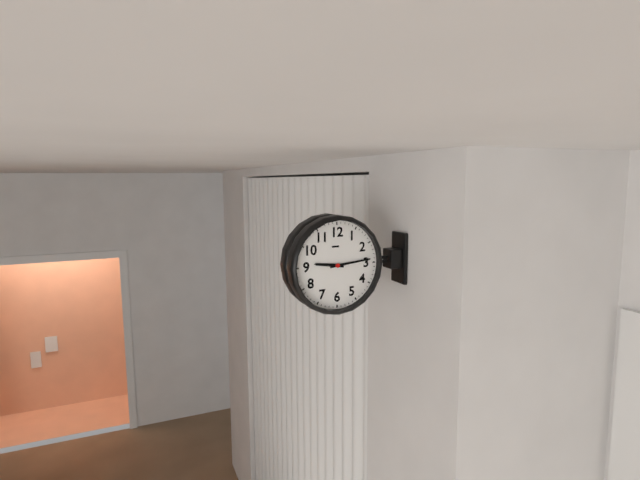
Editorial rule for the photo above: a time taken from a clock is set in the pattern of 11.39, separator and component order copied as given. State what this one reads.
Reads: 9.14
